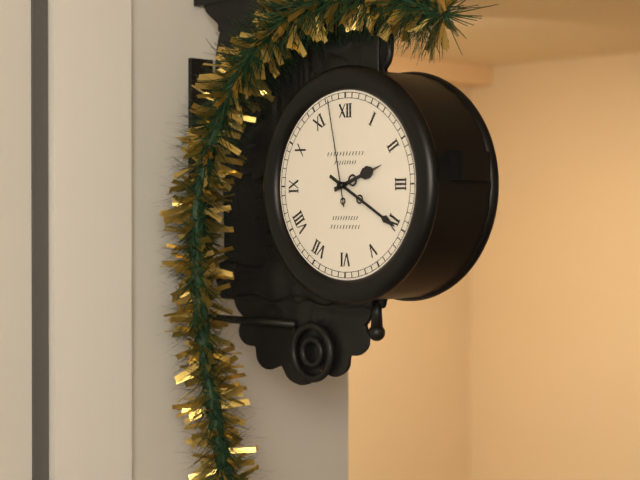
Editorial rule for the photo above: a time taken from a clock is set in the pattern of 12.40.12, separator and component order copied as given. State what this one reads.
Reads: 2.20.58
